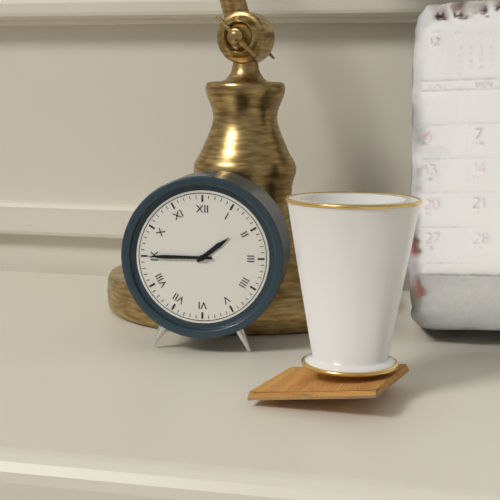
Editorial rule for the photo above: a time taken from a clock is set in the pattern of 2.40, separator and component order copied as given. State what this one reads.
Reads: 1.45
